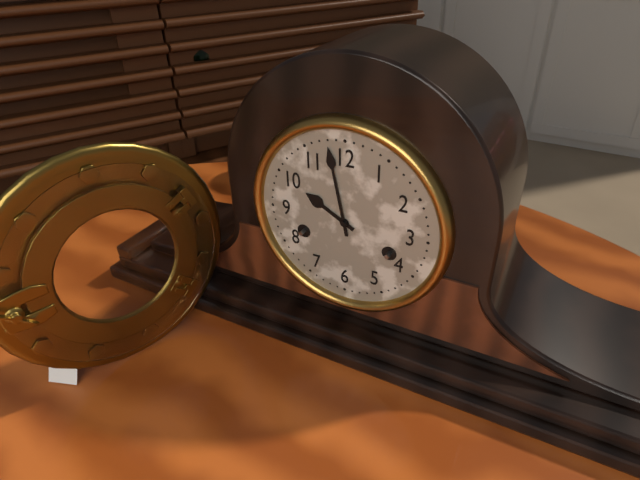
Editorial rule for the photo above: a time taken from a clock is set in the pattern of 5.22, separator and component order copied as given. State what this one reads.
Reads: 9.58
